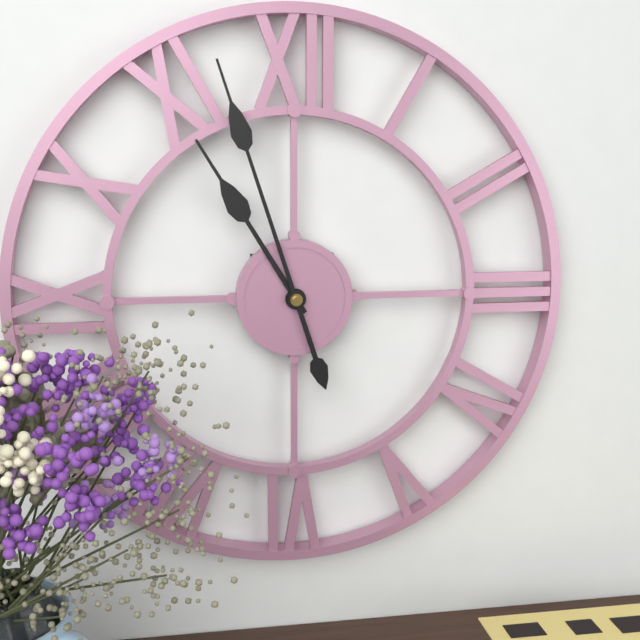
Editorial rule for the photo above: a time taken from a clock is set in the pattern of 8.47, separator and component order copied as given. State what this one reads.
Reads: 10.57
